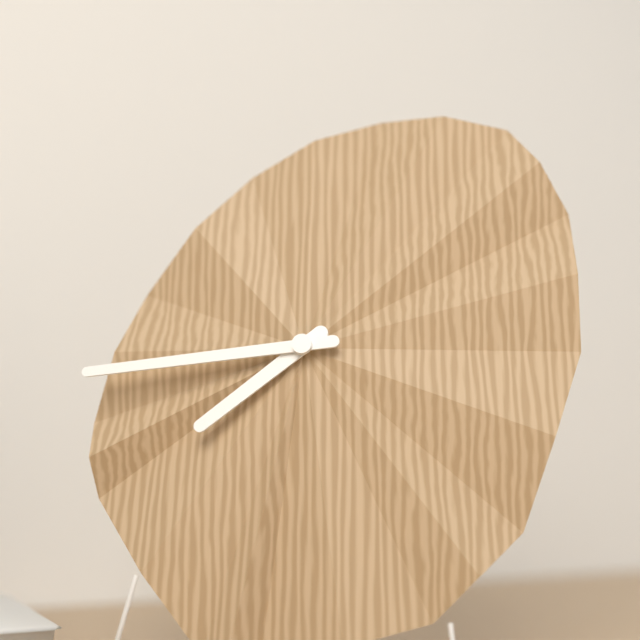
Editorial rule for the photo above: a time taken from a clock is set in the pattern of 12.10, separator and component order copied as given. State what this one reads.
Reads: 7.44
